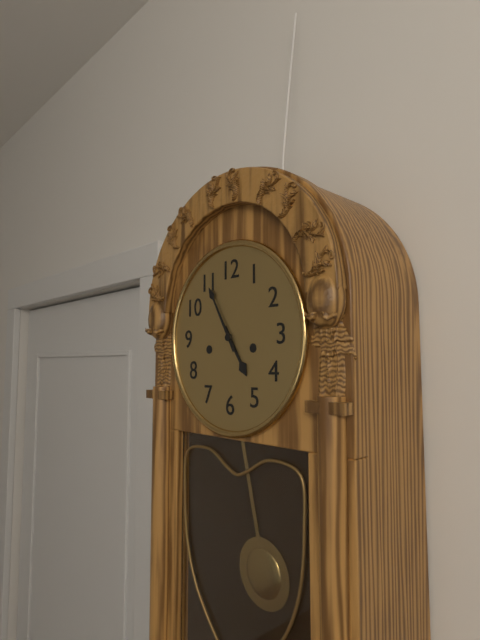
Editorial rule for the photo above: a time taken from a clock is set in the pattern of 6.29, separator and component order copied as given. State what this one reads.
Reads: 4.55
